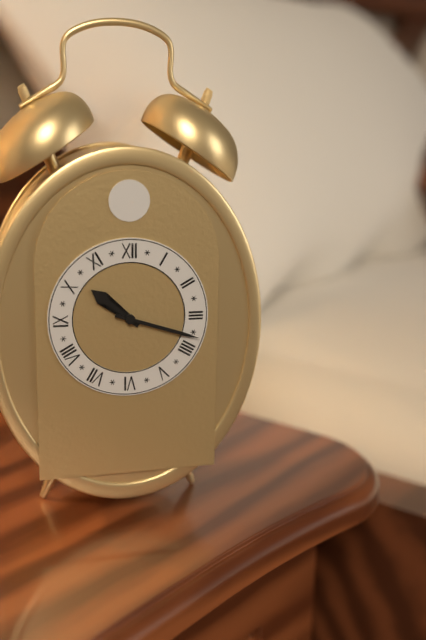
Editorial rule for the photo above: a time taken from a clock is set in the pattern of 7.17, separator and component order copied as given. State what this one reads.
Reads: 10.18
